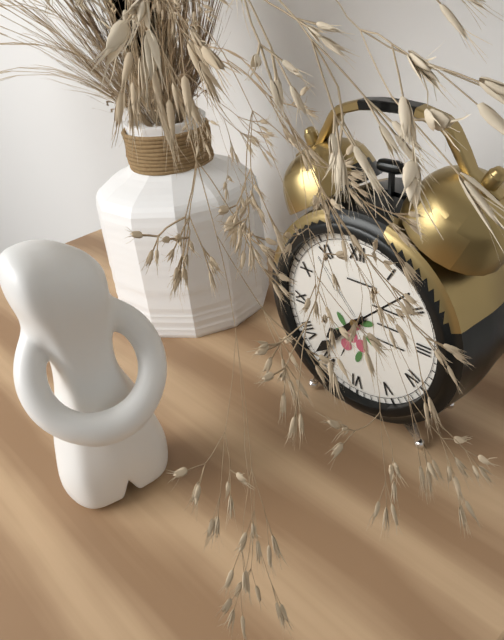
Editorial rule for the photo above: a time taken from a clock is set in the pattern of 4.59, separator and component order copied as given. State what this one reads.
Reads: 7.37
